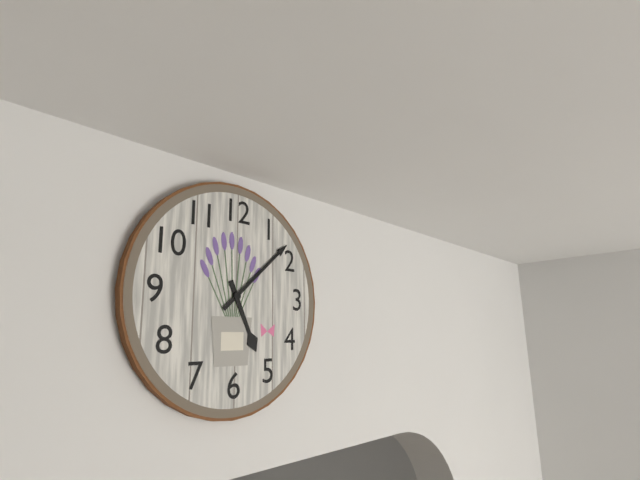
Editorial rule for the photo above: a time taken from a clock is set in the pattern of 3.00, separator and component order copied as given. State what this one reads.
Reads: 5.08
